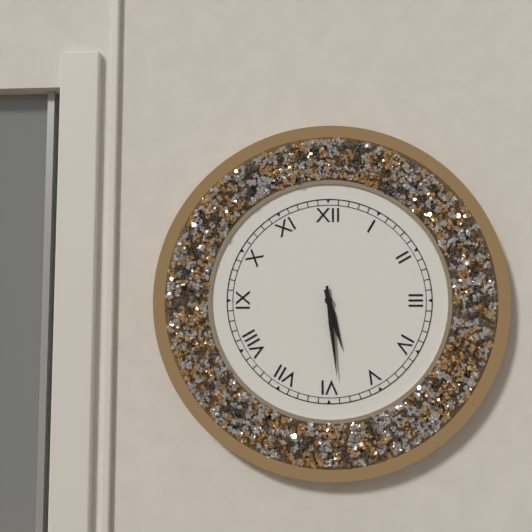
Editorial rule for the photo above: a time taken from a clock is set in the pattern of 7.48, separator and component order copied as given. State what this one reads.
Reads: 5.29
